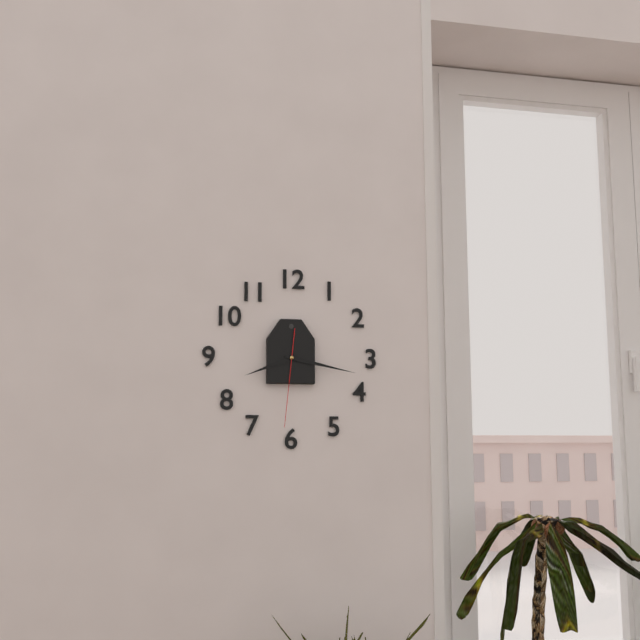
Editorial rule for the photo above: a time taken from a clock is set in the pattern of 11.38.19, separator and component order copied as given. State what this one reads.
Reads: 8.17.31
